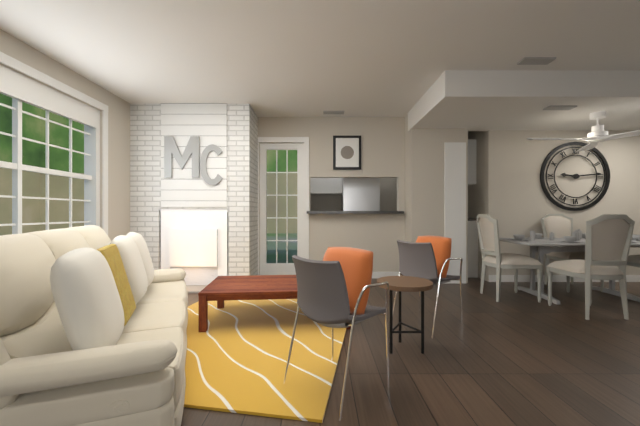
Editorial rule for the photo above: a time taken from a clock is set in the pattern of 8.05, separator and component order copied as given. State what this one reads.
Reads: 9.14
